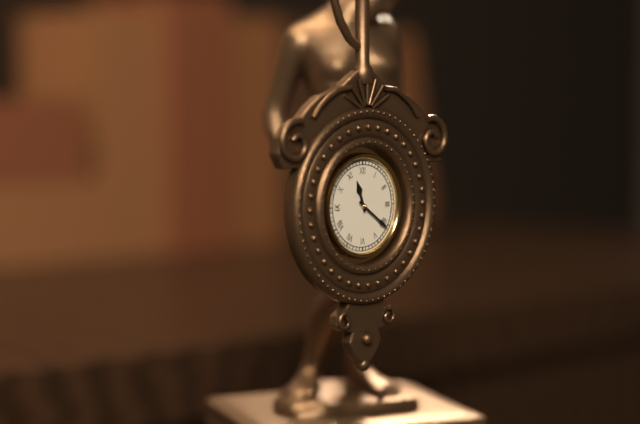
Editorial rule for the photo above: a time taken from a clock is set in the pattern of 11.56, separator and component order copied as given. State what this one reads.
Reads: 11.21
